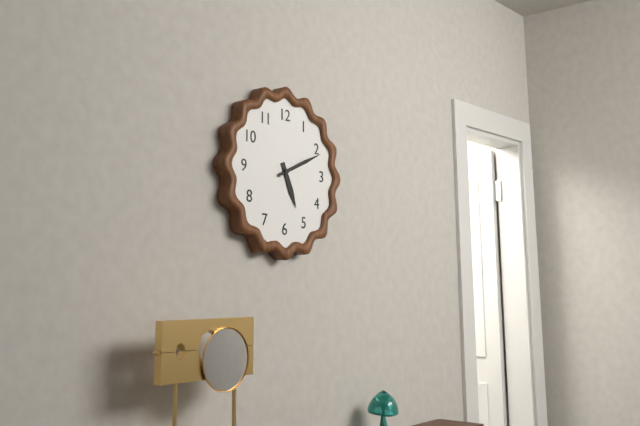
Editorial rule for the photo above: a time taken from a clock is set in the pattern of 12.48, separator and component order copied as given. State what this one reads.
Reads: 5.11
